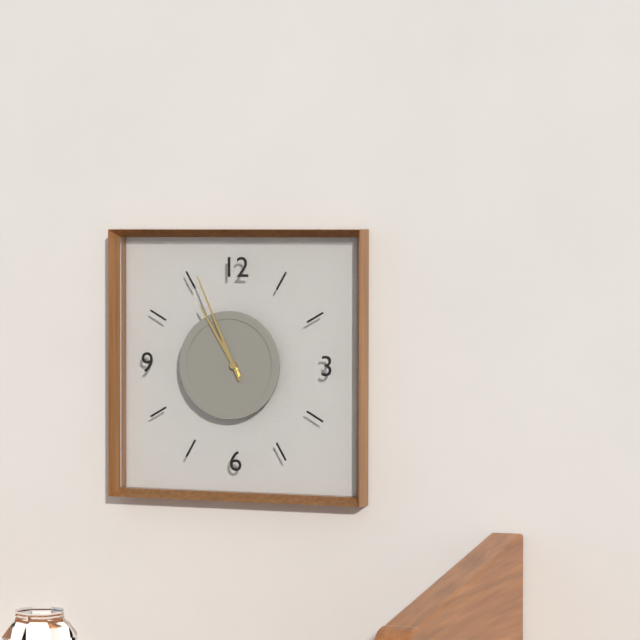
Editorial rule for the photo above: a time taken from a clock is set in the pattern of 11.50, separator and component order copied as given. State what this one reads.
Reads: 10.56
